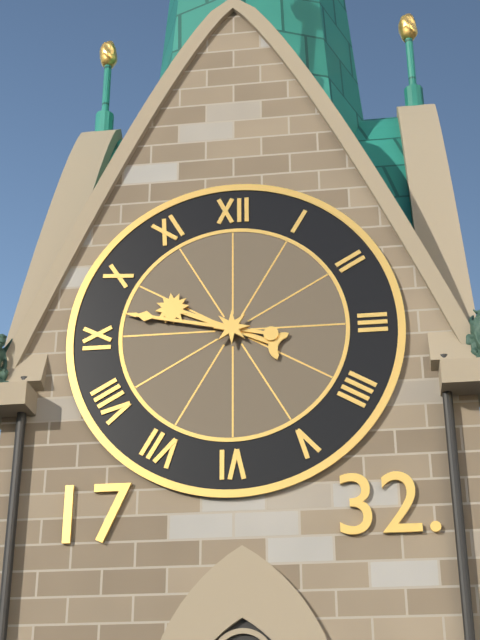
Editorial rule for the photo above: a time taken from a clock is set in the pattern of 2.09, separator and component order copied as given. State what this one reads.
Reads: 9.47
